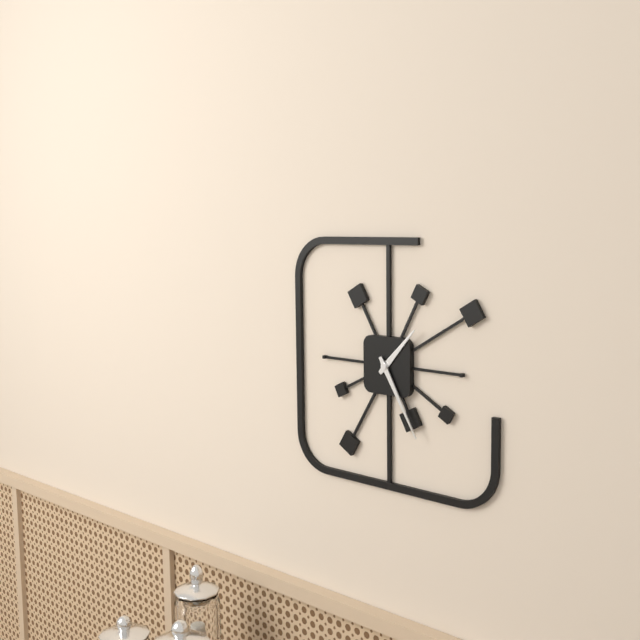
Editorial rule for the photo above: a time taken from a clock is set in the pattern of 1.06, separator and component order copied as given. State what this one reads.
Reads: 1.25
